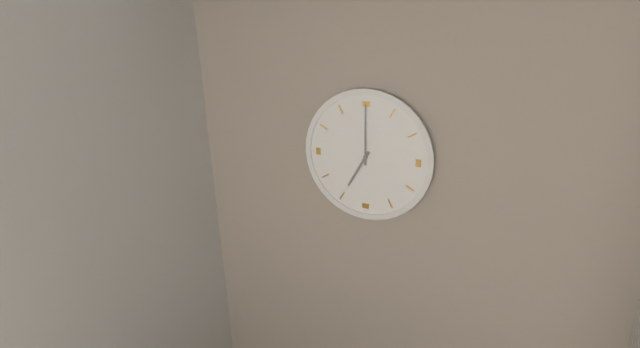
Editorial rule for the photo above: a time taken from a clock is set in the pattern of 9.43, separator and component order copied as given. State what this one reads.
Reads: 7.00
